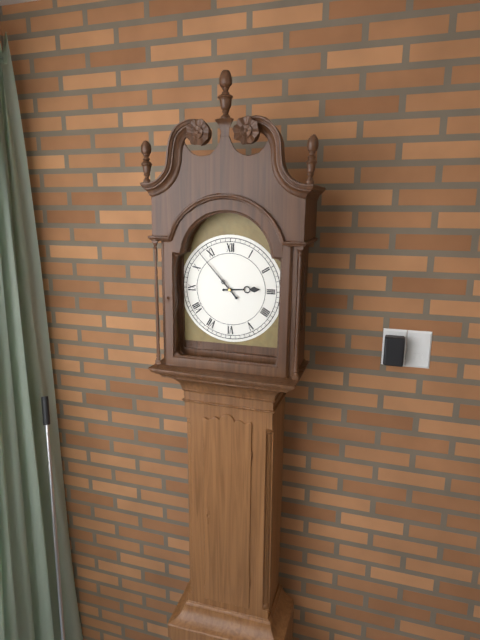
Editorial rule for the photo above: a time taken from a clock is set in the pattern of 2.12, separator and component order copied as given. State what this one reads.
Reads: 2.53
